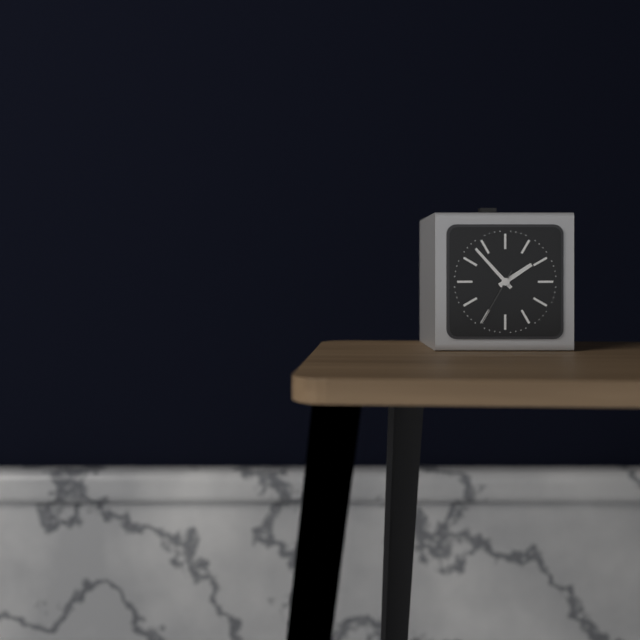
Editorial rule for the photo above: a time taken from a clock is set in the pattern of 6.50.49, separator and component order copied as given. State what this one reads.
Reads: 1.53.35
